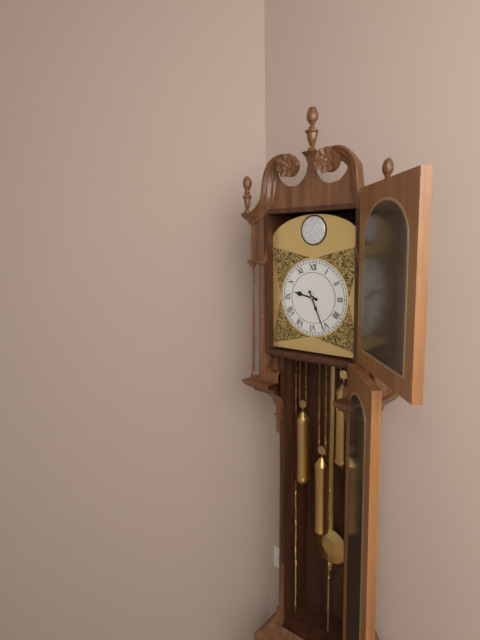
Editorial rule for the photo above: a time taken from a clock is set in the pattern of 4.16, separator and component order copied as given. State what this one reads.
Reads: 9.26
